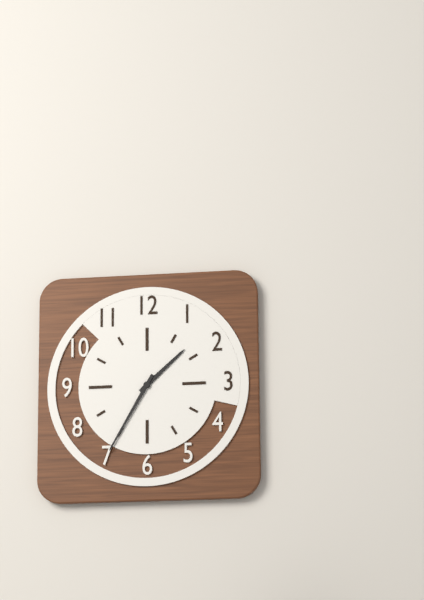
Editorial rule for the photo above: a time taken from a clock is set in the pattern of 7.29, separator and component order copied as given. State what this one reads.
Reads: 1.35
